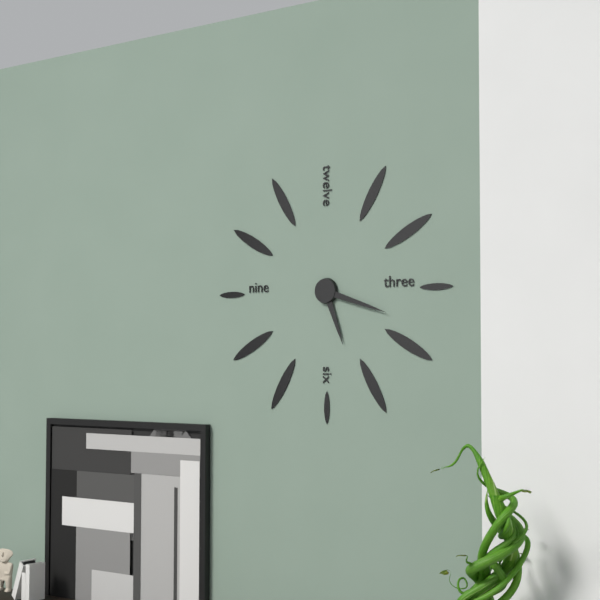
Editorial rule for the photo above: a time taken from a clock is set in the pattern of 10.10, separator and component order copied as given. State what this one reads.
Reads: 5.18
